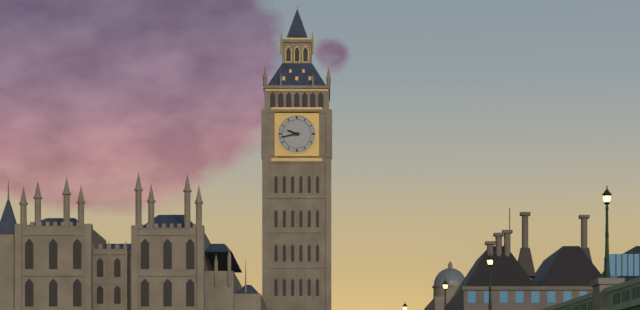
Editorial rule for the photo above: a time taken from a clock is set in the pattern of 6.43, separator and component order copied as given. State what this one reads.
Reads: 9.43
